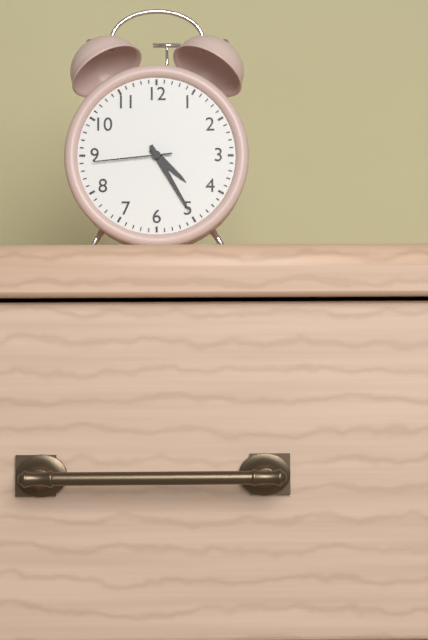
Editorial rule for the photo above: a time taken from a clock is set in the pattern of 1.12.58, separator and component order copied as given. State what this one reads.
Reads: 4.25.44
